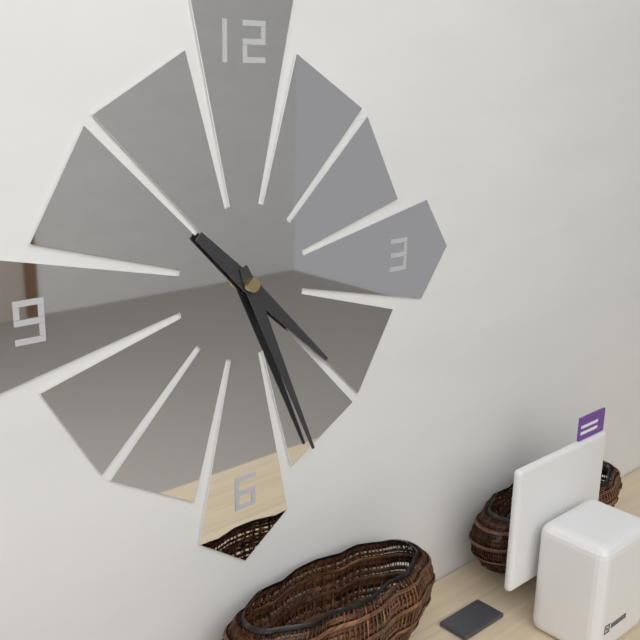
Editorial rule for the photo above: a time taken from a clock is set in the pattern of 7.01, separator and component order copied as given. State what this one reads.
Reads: 4.26
